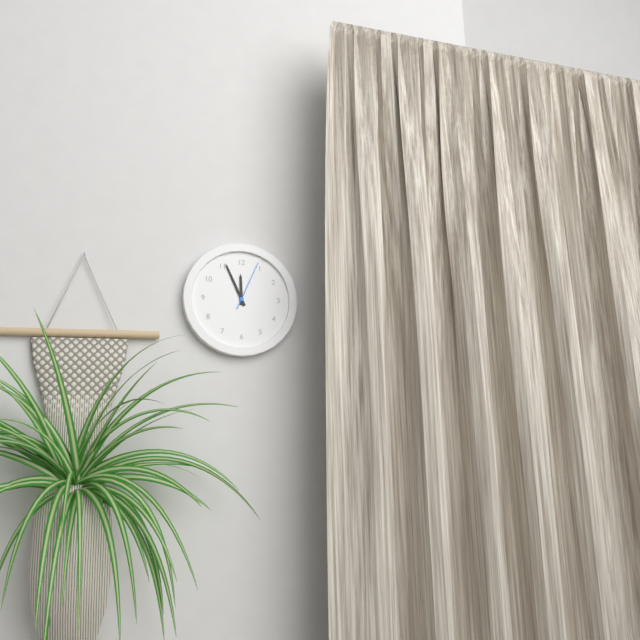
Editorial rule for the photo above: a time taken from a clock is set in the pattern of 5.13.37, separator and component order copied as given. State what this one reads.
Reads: 11.56.04
